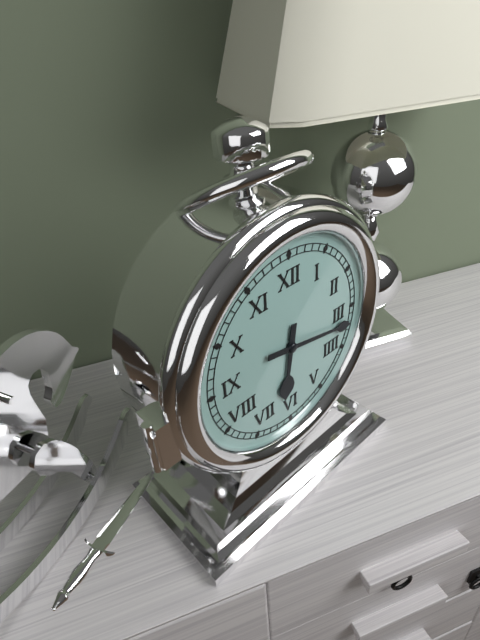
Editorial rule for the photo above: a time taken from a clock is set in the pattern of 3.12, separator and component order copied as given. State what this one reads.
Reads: 6.17
